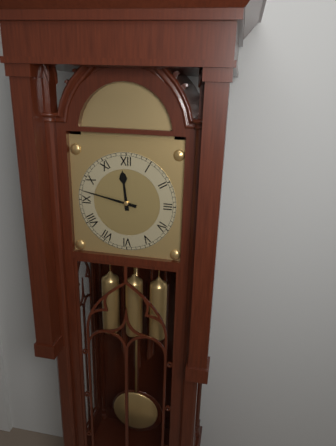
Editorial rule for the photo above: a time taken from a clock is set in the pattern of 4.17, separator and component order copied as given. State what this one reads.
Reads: 11.47
